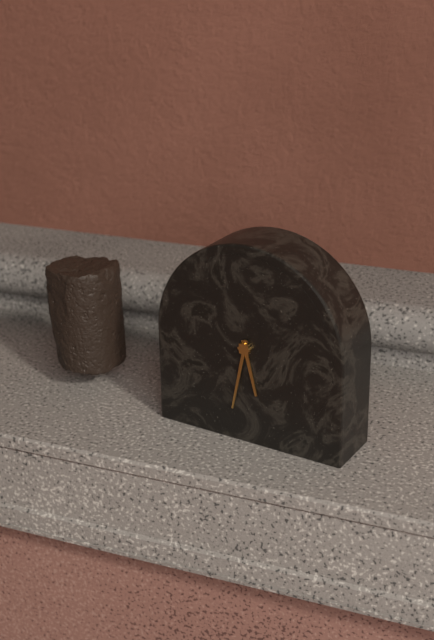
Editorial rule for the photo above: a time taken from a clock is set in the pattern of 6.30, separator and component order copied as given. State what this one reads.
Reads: 5.32
